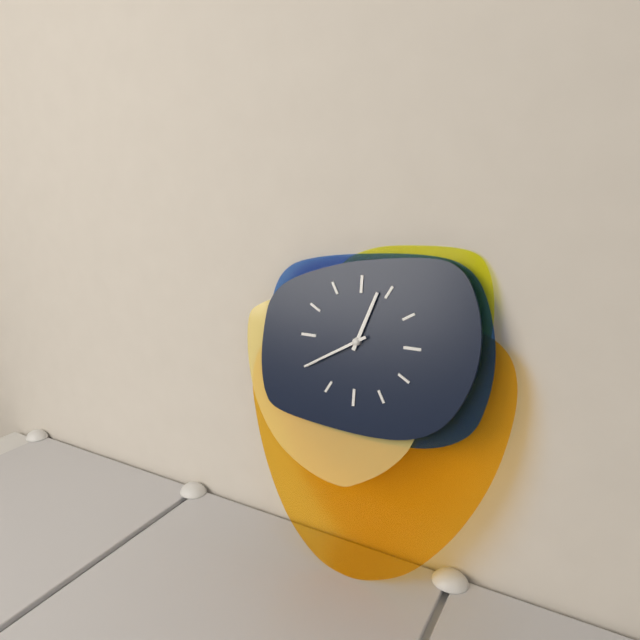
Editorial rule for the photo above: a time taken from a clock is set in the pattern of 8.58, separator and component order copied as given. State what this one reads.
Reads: 12.40
